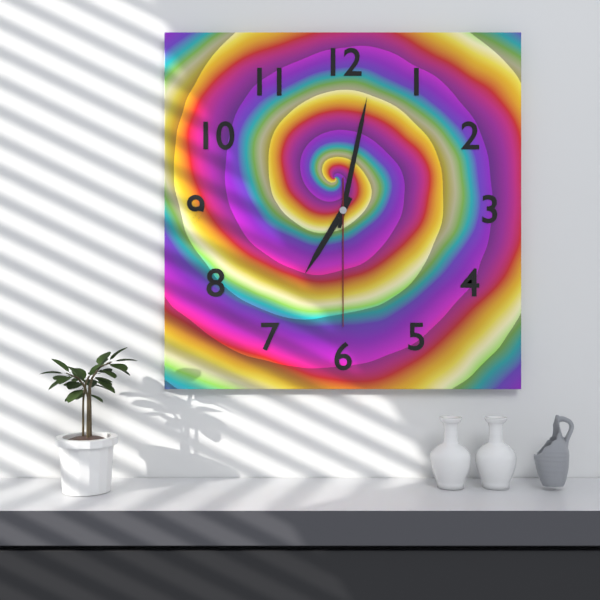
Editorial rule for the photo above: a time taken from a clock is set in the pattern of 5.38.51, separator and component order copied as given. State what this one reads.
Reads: 7.02.30
